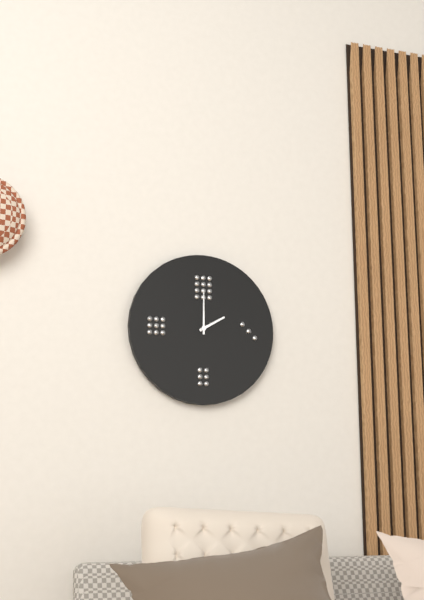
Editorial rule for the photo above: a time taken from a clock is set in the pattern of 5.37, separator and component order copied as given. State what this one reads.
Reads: 2.00
